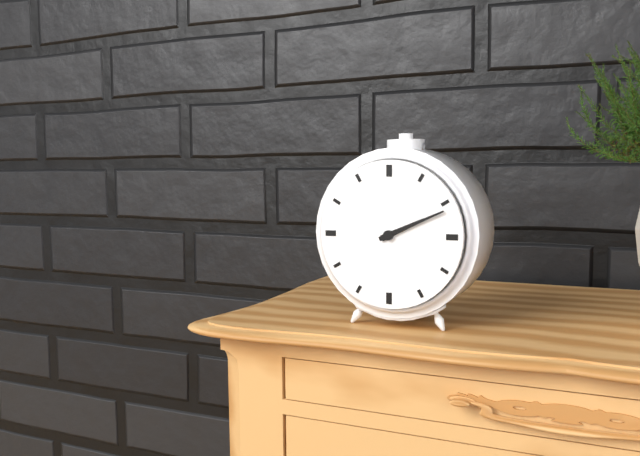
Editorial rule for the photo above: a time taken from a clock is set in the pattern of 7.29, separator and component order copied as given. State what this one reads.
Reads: 2.11
